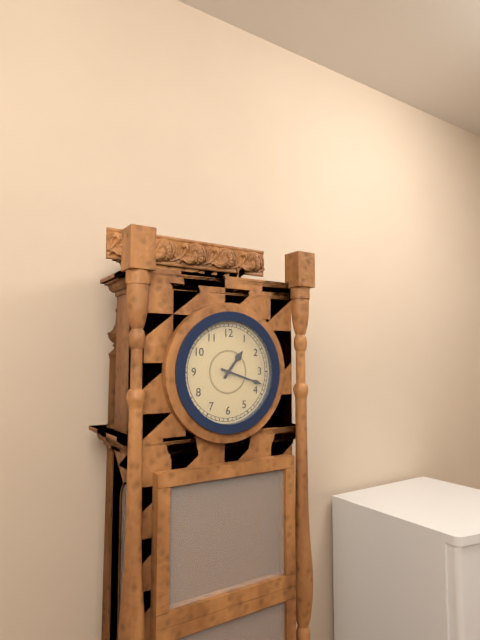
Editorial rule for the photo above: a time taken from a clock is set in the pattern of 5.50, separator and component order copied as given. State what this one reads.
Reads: 1.18
